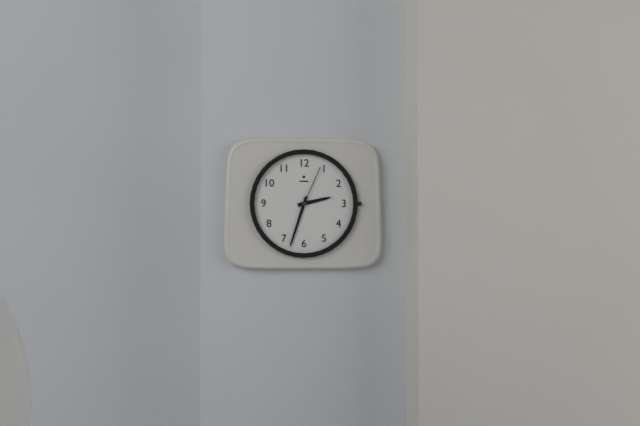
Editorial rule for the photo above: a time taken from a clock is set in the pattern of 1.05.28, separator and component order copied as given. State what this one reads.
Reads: 2.33.04
